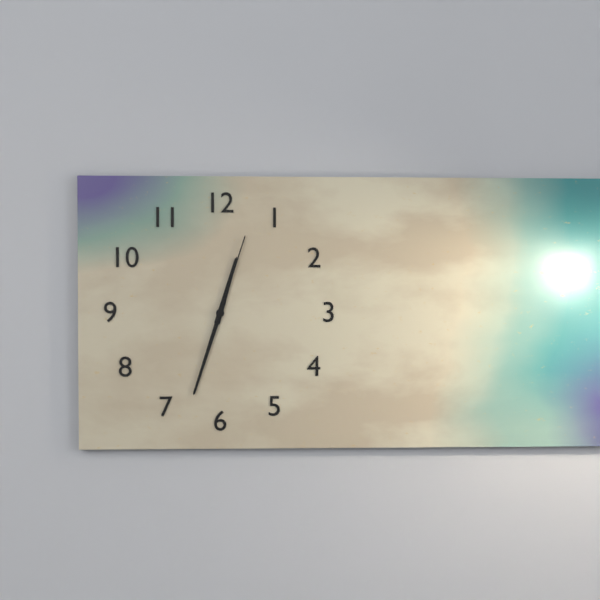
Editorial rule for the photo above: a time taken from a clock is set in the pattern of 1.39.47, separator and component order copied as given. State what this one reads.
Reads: 12.33.03
